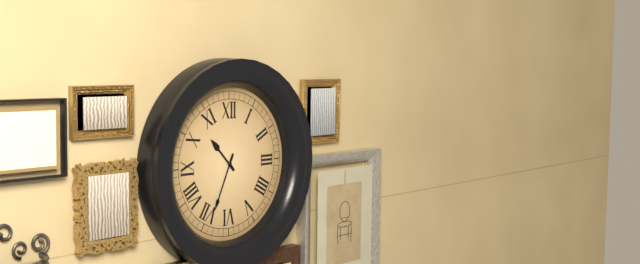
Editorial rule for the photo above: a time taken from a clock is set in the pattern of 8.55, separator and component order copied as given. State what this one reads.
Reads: 10.34
